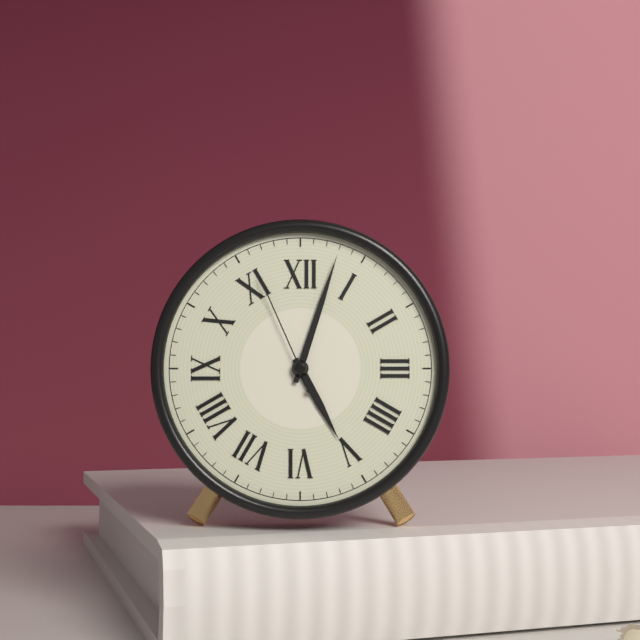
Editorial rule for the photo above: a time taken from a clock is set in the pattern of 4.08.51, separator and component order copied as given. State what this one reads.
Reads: 5.03.56
